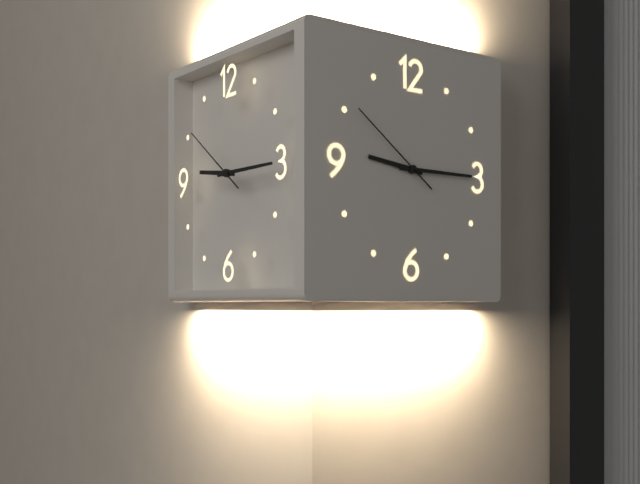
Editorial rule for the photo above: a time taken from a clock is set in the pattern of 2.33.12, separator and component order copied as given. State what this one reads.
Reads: 9.15.51
